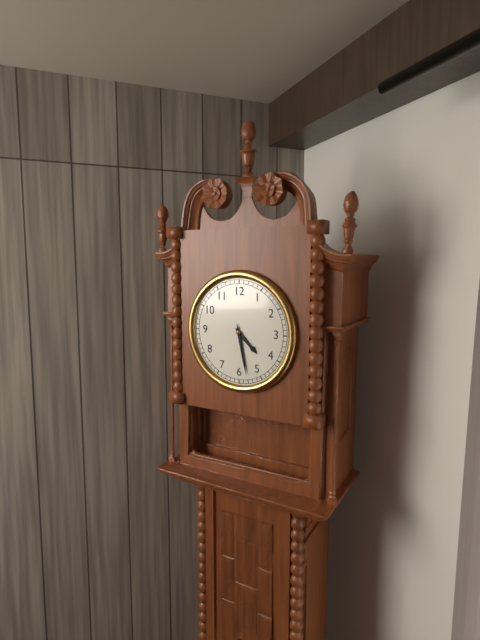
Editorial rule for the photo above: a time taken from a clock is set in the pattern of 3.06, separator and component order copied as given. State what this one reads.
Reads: 4.28
